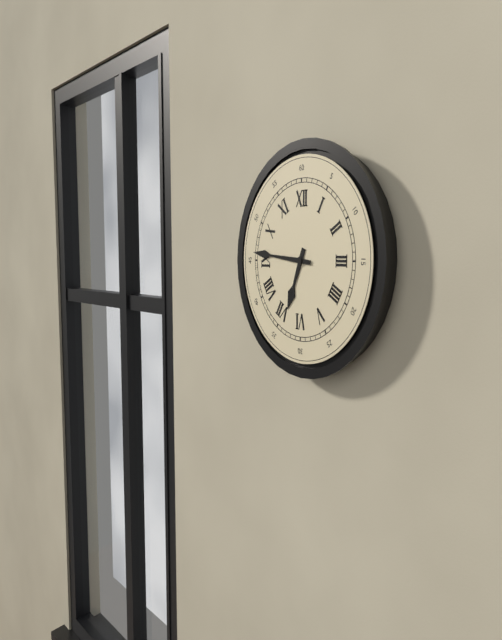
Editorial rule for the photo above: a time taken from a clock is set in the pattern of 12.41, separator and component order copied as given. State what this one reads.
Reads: 6.46
